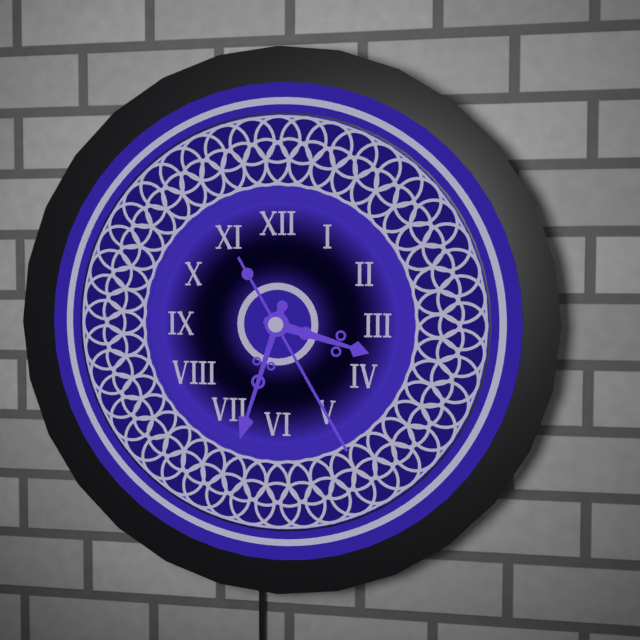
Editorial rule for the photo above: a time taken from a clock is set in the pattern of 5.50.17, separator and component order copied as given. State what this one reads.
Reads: 3.33.25
